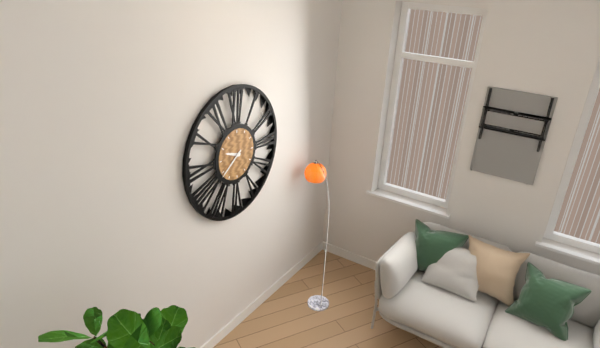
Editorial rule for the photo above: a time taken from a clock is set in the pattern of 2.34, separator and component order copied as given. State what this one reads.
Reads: 9.39
